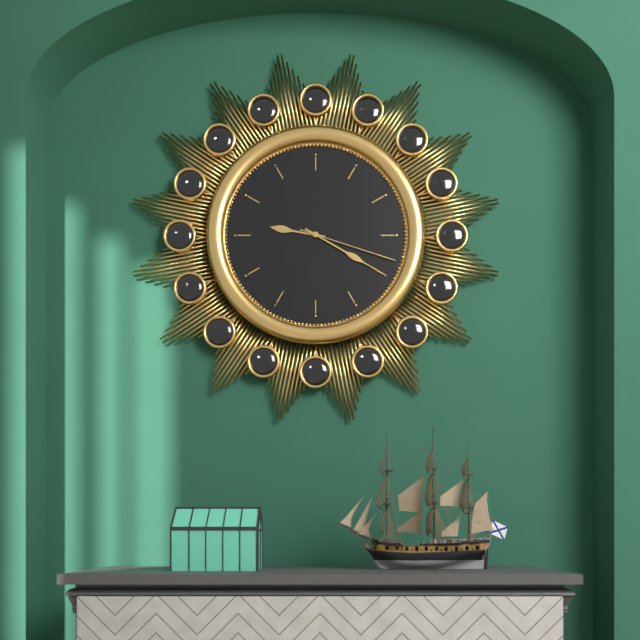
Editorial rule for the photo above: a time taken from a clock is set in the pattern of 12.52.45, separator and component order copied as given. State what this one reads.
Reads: 9.20.18
